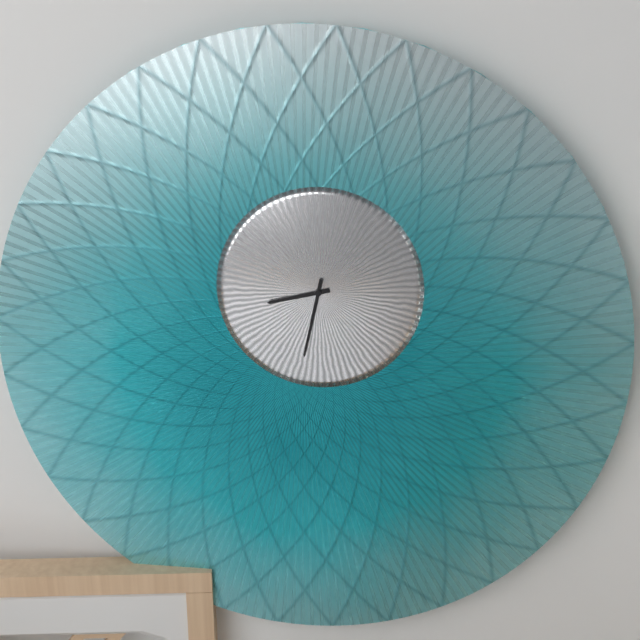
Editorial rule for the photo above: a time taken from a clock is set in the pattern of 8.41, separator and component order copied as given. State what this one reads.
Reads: 8.32
